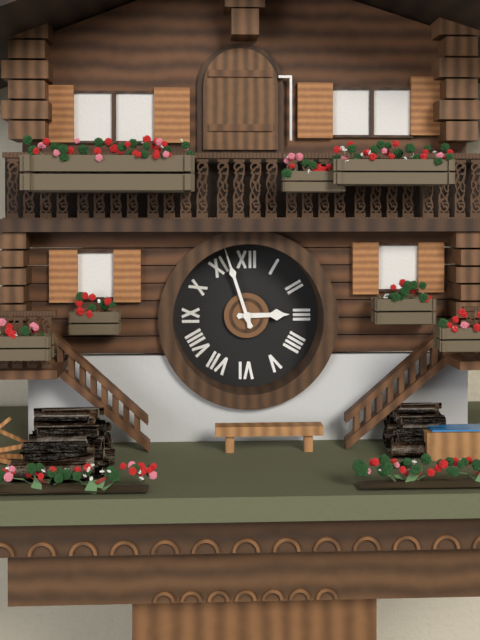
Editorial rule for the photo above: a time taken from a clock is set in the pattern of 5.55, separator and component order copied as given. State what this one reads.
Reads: 2.57
